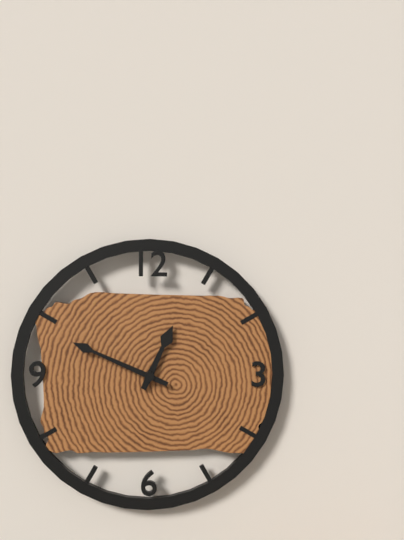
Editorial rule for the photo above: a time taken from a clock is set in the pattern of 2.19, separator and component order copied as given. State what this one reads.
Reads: 12.49
